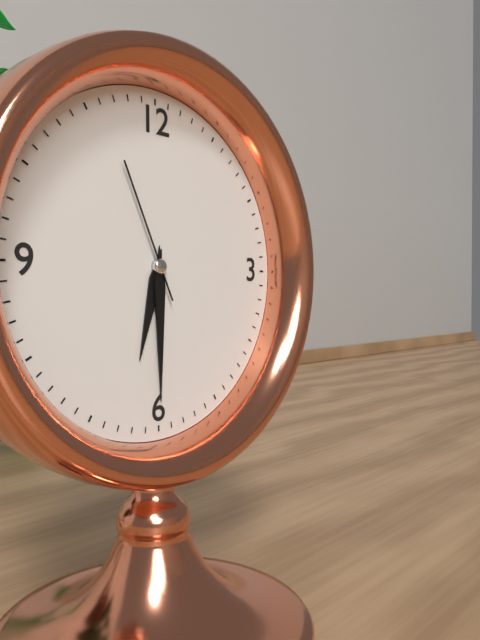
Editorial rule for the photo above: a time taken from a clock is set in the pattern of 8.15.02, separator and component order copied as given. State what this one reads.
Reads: 6.30.56
